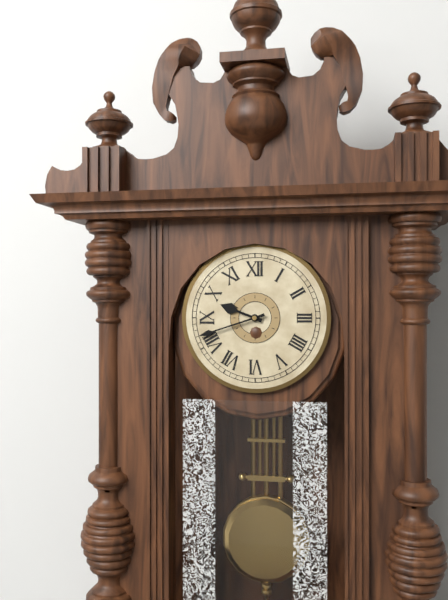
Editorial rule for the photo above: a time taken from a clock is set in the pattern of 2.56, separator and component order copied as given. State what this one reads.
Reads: 9.42
